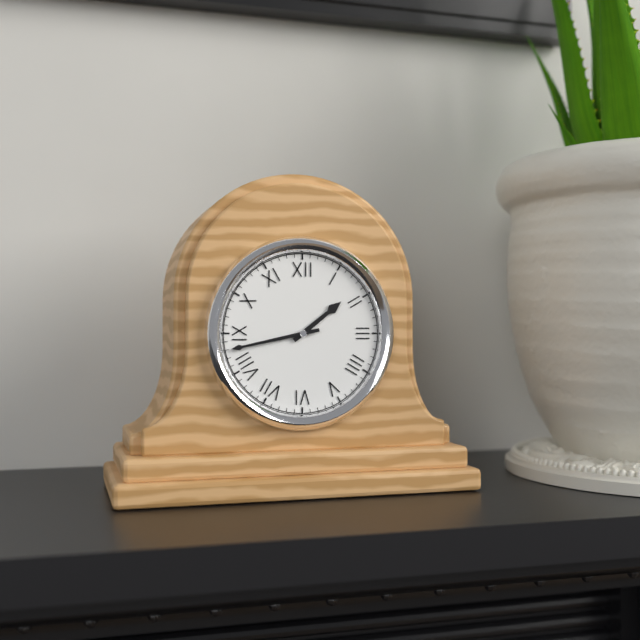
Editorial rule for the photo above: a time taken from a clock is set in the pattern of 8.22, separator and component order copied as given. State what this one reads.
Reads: 1.43
